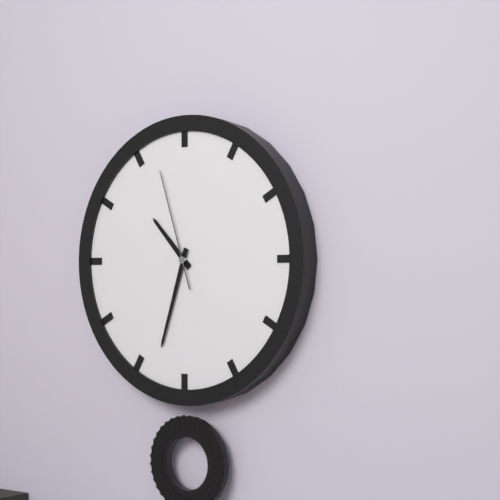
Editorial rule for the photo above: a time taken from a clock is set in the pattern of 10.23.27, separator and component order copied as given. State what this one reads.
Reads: 10.33.57
